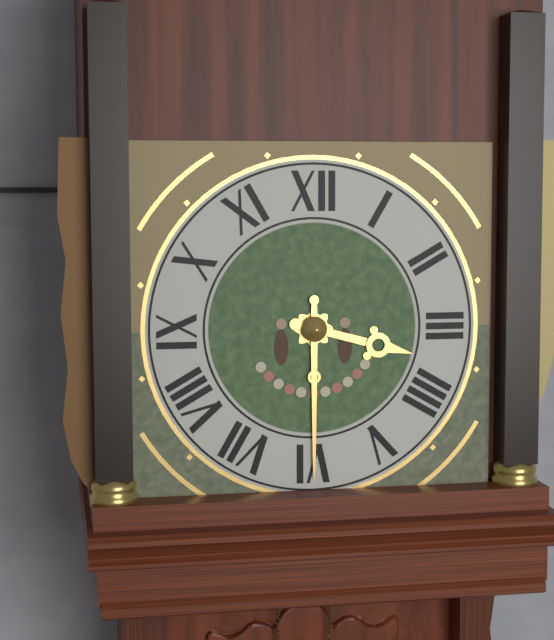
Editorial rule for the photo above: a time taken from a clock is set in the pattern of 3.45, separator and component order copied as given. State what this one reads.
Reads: 3.30
